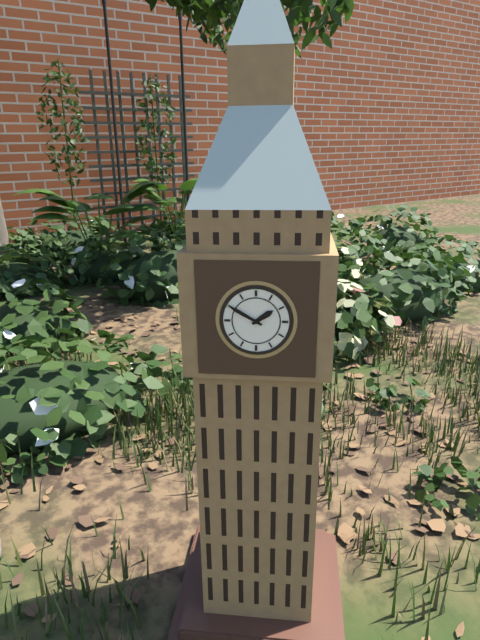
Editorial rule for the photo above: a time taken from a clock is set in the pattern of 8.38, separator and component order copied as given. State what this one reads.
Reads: 1.50
